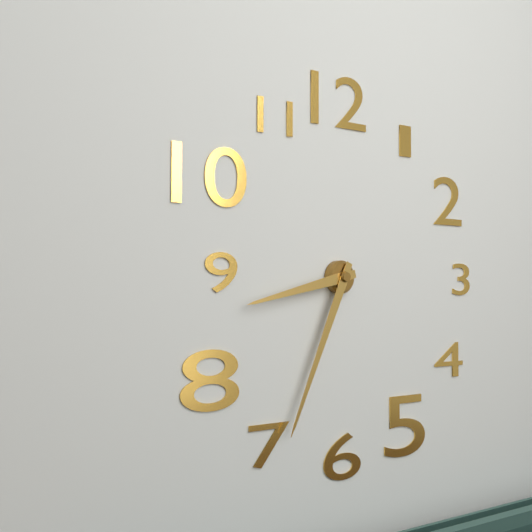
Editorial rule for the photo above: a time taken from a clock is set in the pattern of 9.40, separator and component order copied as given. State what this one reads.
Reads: 8.34
